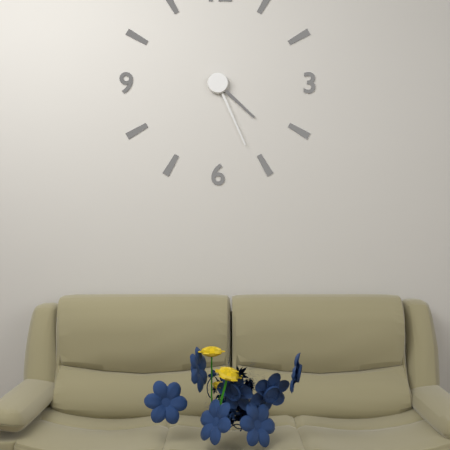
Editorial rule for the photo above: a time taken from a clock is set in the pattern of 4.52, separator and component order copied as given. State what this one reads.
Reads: 4.26
